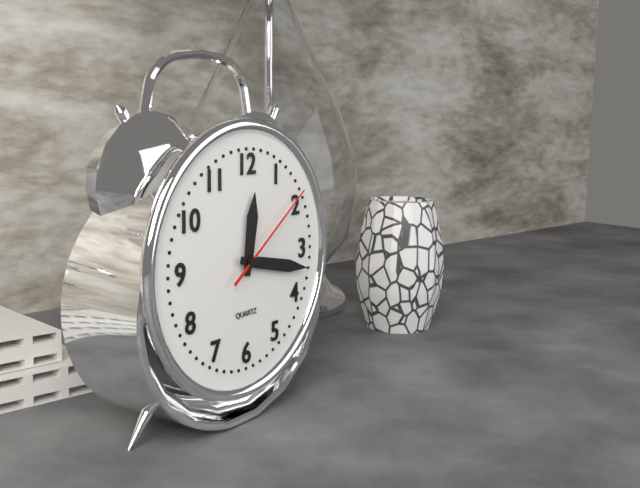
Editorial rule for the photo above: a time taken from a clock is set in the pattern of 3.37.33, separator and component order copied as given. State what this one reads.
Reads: 12.17.09
